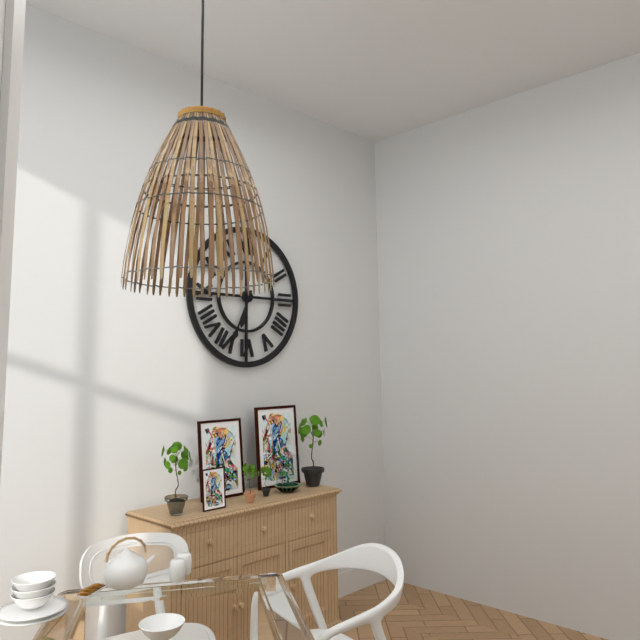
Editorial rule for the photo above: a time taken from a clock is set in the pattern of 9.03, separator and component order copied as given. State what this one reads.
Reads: 6.34
